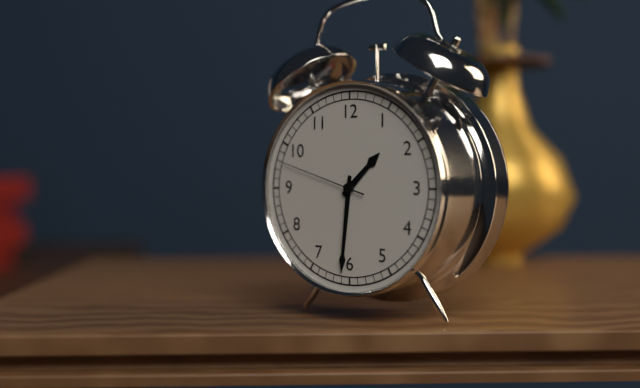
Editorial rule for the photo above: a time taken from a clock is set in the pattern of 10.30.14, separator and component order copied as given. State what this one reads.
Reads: 1.31.48
